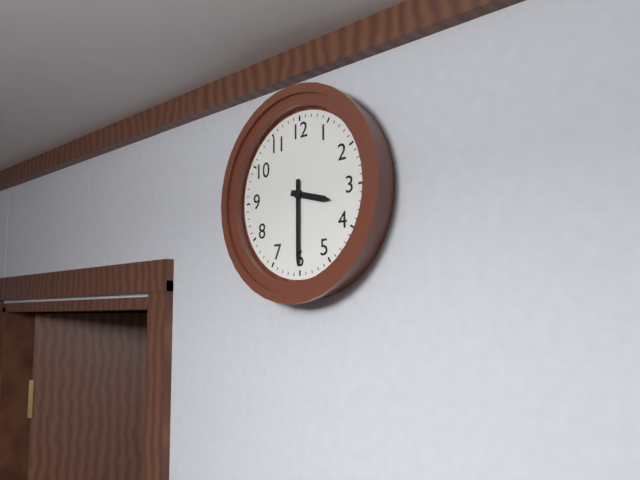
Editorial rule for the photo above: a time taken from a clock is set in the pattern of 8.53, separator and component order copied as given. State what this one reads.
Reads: 3.30
